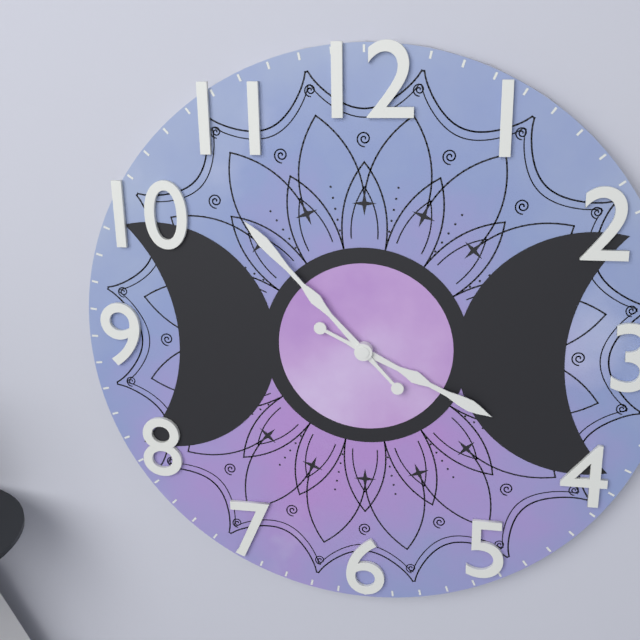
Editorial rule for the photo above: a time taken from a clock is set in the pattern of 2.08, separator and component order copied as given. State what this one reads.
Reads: 3.53
